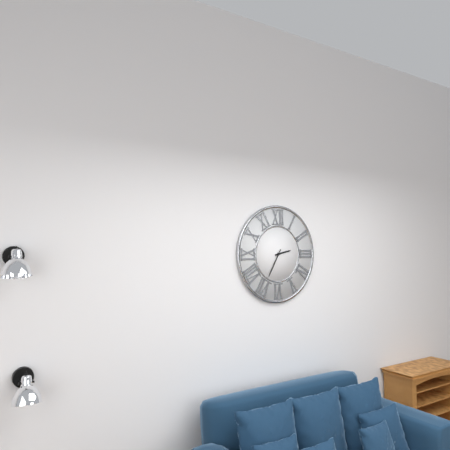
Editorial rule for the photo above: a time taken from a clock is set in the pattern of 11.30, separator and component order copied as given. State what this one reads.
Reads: 2.35
